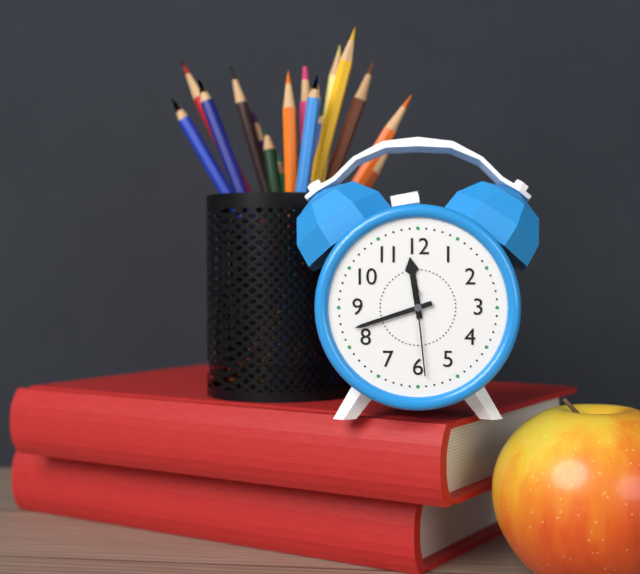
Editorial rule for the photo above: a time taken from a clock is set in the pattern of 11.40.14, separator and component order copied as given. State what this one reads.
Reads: 11.42.29
